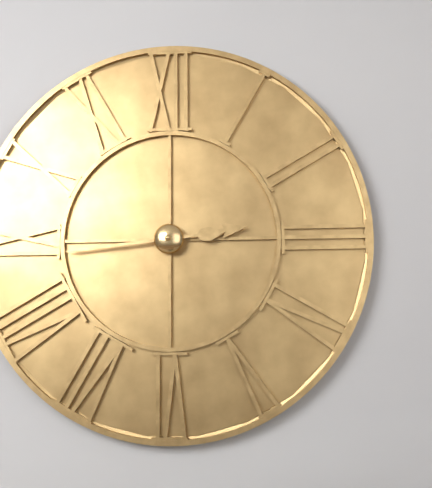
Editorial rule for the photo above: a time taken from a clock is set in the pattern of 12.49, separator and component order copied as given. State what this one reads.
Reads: 2.44
